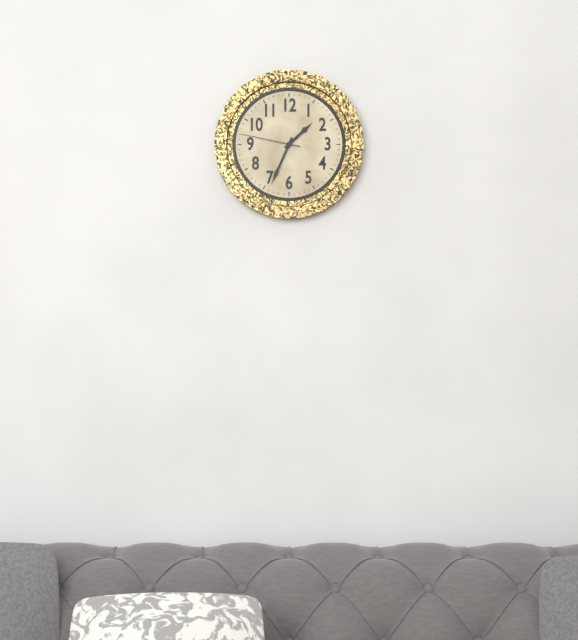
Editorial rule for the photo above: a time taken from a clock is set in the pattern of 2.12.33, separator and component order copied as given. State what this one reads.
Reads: 1.34.47
